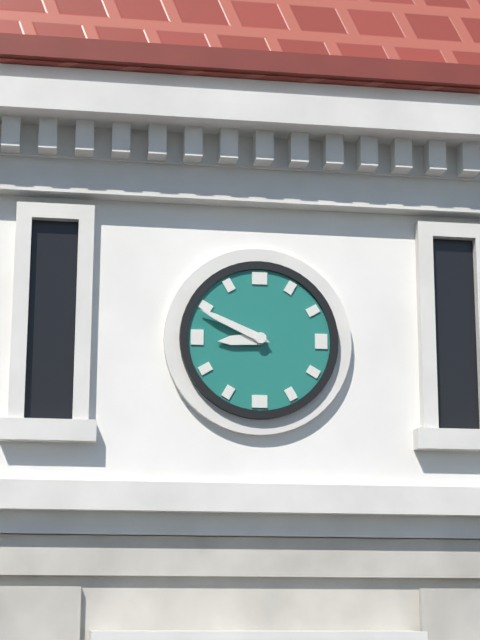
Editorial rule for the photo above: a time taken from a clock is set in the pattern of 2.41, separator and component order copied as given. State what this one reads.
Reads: 8.49
